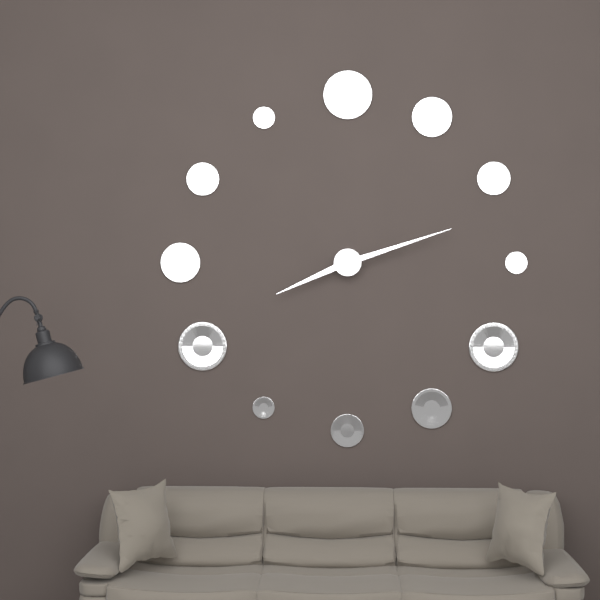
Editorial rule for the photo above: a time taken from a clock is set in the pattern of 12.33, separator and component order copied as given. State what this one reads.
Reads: 8.12
